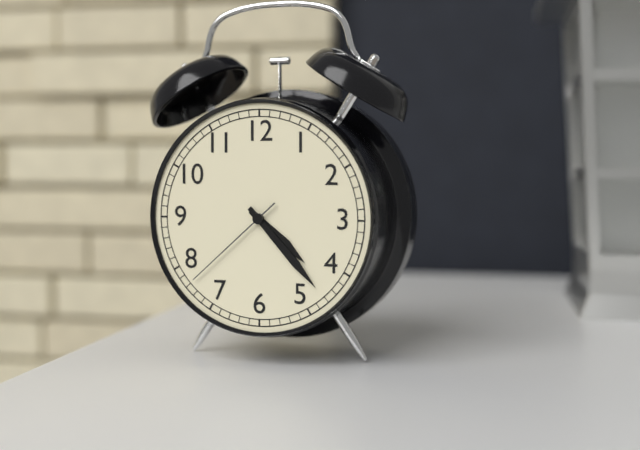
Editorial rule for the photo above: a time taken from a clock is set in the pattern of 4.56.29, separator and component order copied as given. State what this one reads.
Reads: 4.23.38
